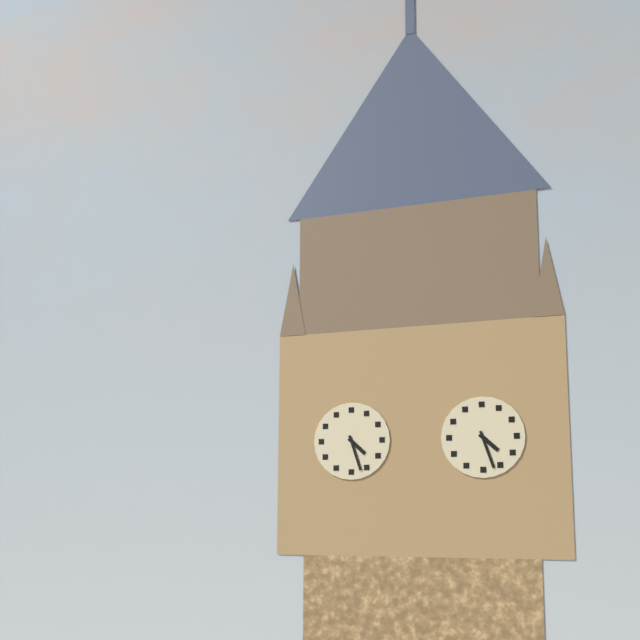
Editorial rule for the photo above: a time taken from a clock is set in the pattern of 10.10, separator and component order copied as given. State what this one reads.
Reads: 4.27
